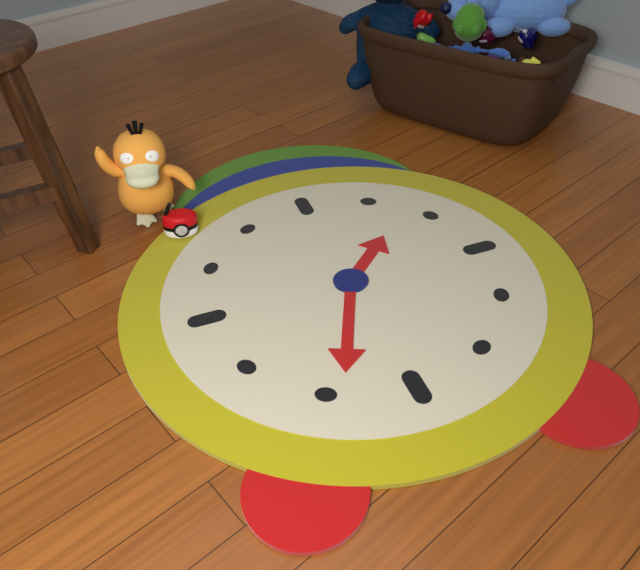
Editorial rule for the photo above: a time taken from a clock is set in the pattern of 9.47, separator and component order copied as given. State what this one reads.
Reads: 1.34
